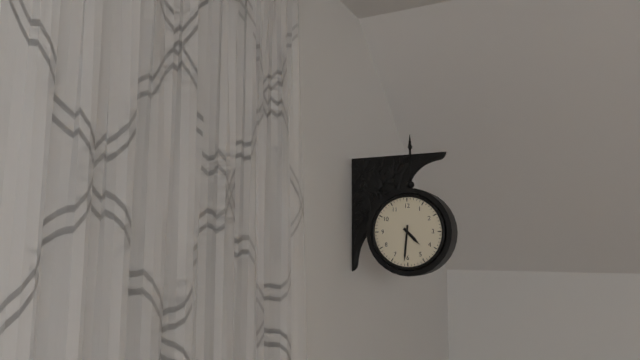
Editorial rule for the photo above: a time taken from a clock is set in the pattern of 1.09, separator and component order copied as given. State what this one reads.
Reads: 4.31
